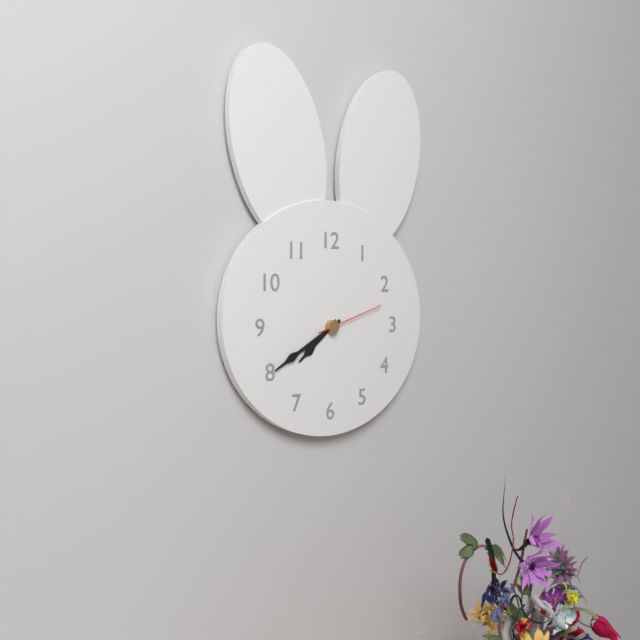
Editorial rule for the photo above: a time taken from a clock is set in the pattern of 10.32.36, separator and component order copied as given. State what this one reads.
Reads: 7.40.12
